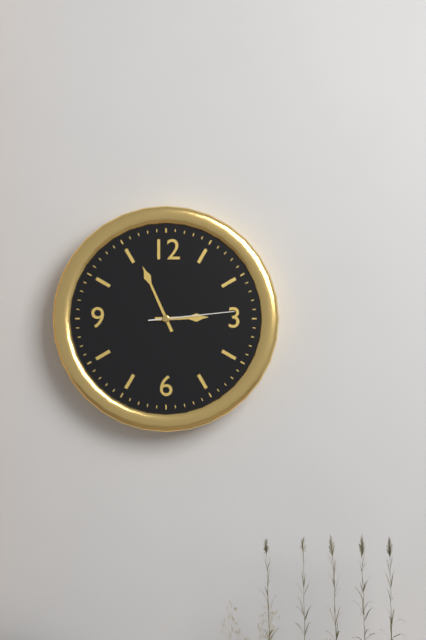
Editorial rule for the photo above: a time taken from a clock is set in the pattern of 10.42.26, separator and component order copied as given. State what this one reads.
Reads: 2.56.14
